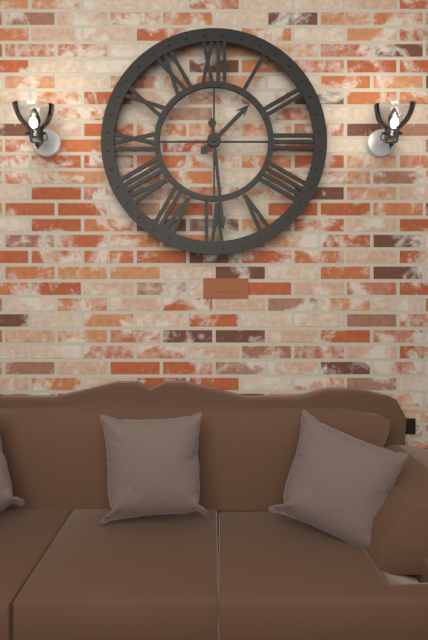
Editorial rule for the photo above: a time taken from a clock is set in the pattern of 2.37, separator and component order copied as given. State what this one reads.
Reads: 1.29
